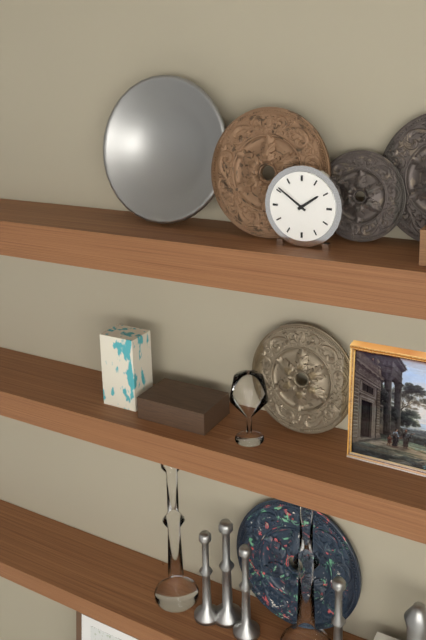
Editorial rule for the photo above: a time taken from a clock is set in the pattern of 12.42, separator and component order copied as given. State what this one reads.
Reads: 1.51
